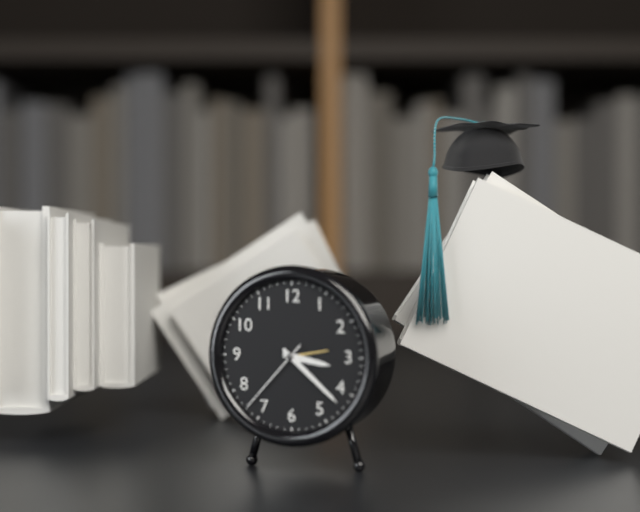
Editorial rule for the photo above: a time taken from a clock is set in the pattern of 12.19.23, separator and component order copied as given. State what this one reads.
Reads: 3.22.37
